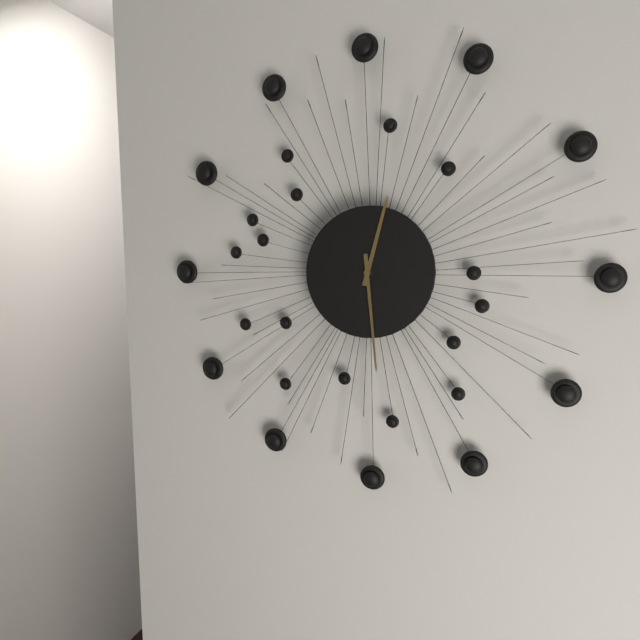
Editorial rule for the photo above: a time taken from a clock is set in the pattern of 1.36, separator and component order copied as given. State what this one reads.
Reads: 12.29
